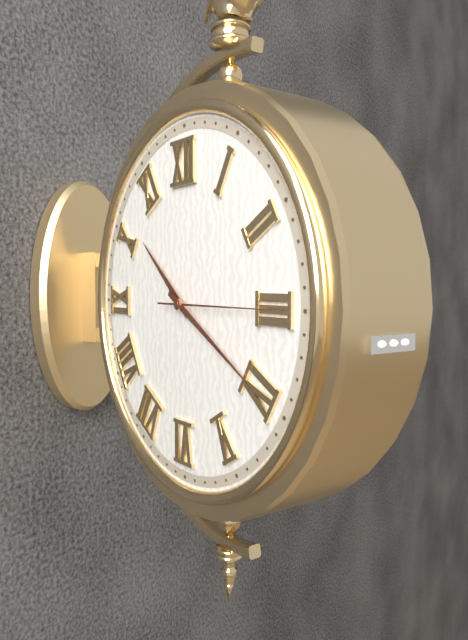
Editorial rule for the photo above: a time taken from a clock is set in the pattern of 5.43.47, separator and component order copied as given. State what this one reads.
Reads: 10.20.15
